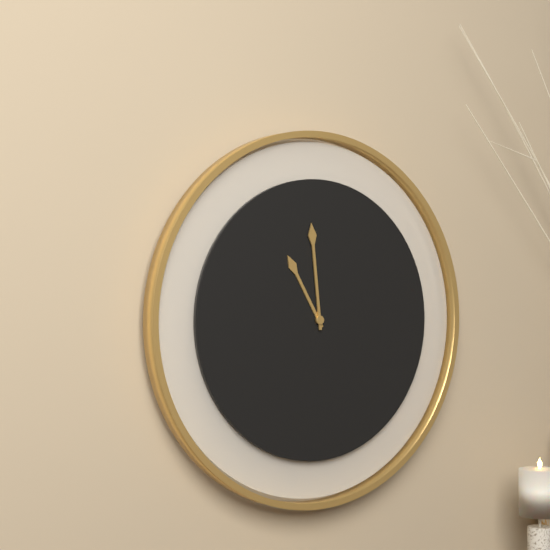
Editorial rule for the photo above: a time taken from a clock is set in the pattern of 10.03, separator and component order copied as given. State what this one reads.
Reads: 10.59
